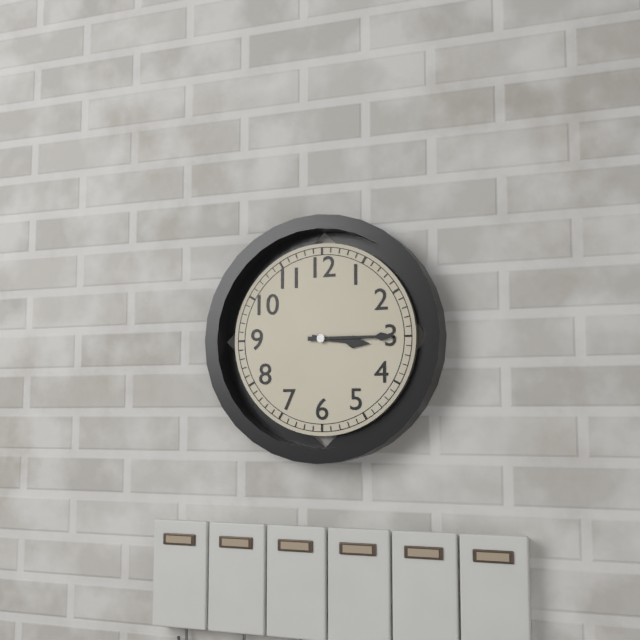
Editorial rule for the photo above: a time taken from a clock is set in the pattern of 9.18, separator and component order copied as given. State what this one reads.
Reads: 3.15
